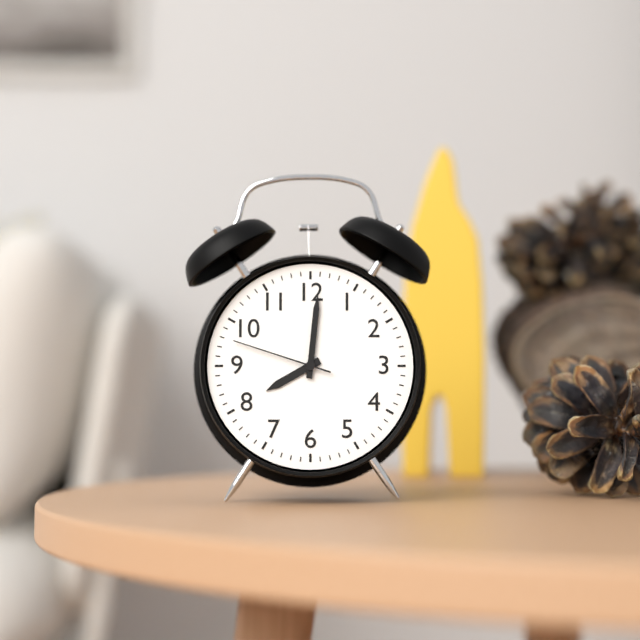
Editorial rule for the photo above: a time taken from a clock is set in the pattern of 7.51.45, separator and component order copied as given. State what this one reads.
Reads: 8.01.48
